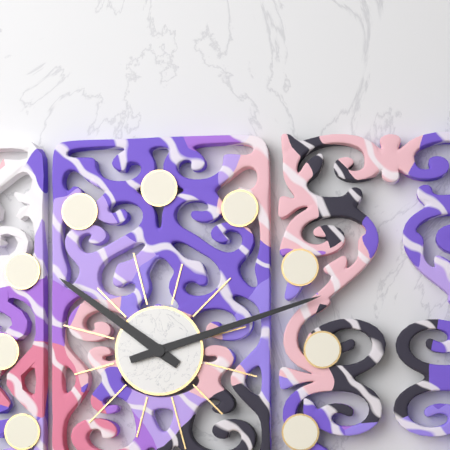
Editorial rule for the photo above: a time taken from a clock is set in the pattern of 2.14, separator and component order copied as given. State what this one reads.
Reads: 10.12
